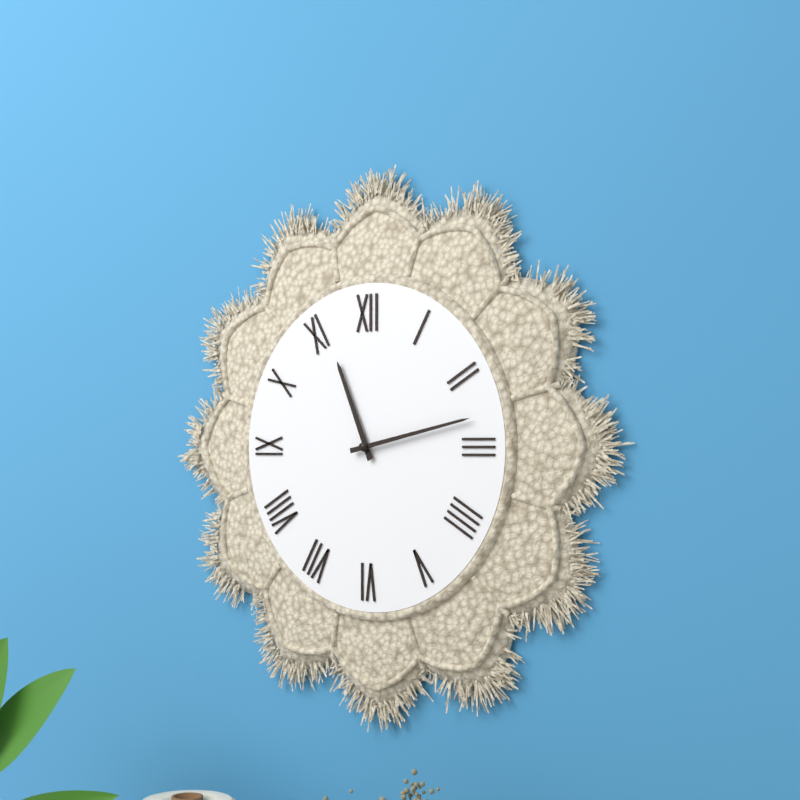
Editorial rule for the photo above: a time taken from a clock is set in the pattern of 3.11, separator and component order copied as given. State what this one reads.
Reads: 11.13
